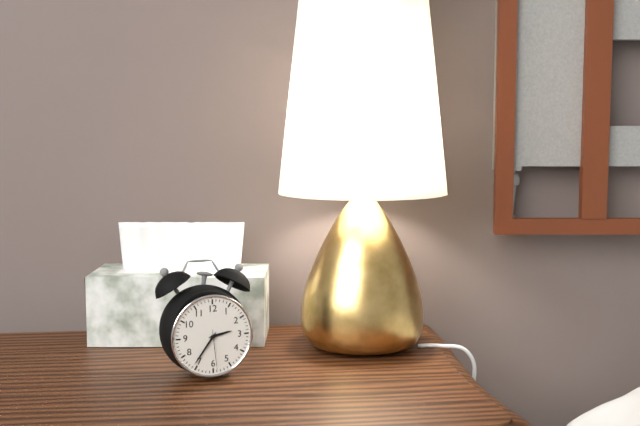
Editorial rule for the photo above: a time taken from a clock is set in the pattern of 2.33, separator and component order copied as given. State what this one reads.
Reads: 2.36
